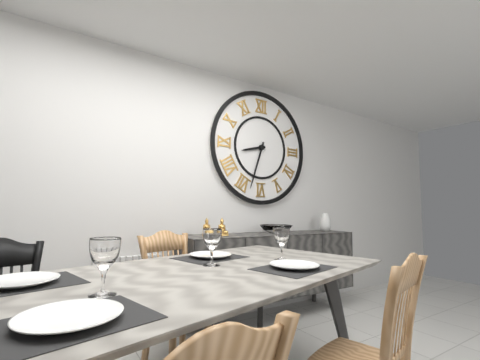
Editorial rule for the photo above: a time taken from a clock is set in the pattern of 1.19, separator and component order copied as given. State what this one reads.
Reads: 8.33
